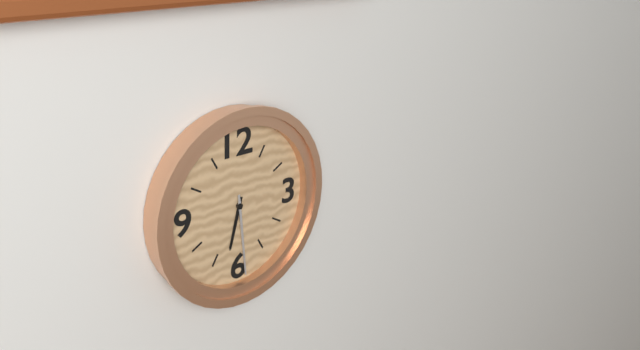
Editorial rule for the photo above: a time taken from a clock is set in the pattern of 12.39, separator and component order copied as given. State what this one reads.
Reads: 6.29
